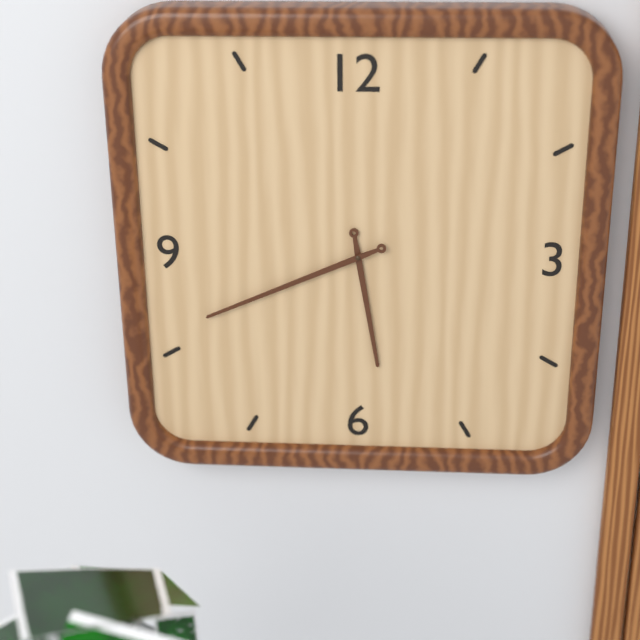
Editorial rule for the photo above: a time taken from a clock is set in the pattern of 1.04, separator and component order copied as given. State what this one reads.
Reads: 5.41
